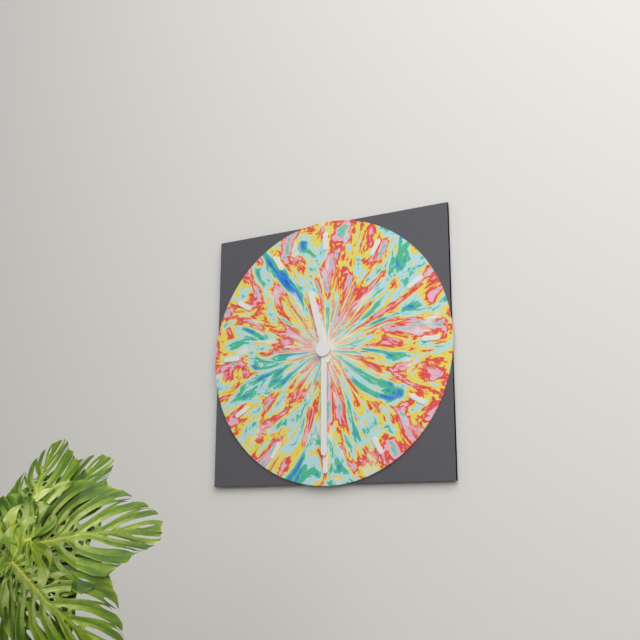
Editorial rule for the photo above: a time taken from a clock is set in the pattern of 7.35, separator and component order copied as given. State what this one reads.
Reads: 11.30
